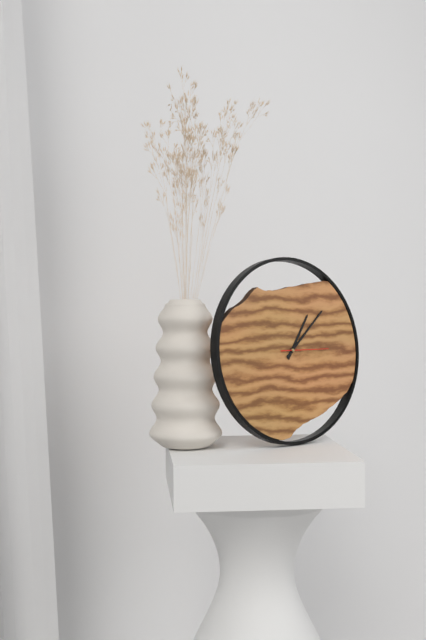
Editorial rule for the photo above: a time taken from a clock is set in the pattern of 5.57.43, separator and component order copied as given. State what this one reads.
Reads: 1.08.15
